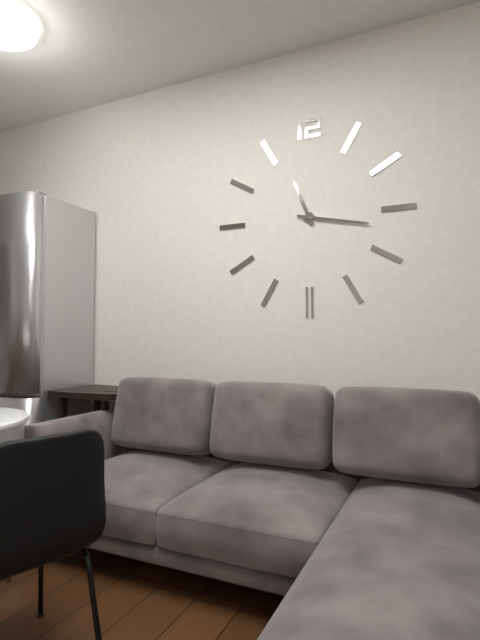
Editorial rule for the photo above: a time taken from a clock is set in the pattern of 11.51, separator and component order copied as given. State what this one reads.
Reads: 11.17
